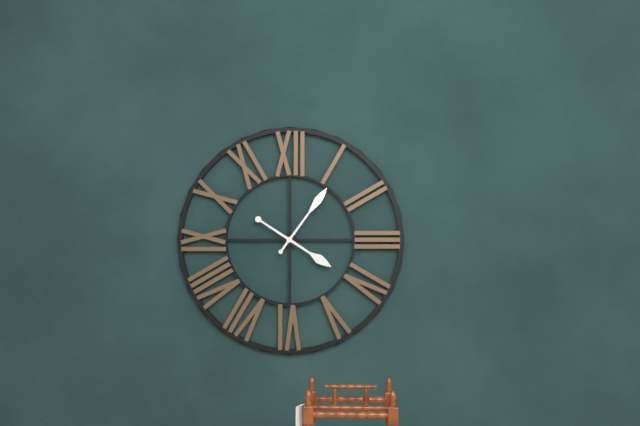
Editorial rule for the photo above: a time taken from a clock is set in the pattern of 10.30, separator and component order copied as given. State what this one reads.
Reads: 4.06
